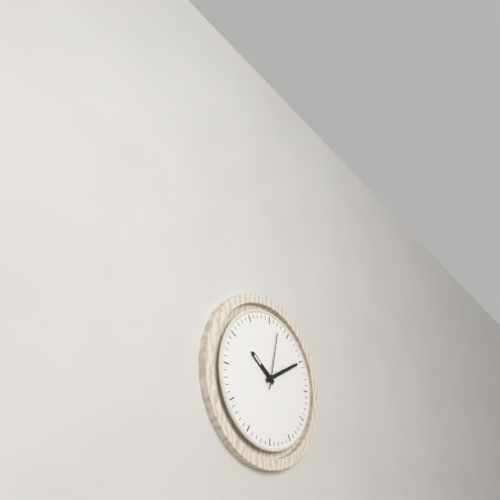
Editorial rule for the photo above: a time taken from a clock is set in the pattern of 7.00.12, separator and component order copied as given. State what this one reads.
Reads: 10.10.02
